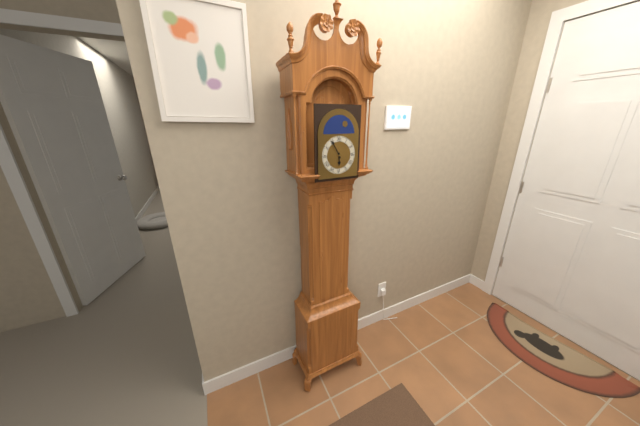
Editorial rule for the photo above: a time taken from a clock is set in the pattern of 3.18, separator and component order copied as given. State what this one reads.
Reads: 5.55
